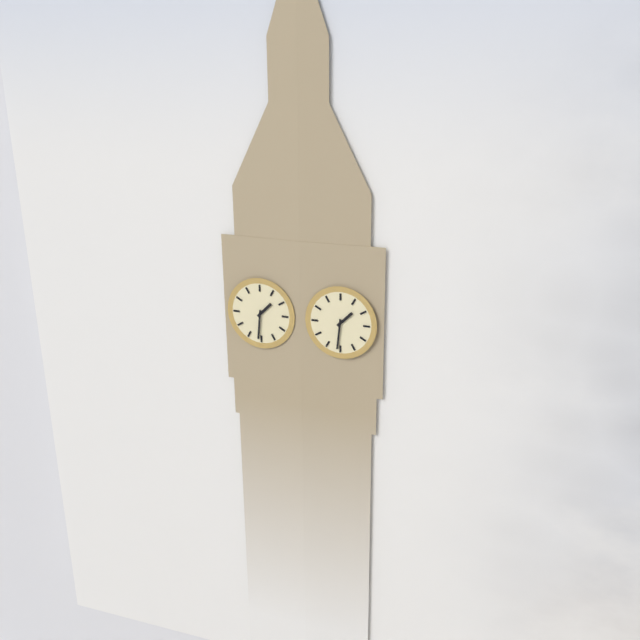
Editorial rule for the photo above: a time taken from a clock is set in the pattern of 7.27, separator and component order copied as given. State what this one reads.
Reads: 1.31
